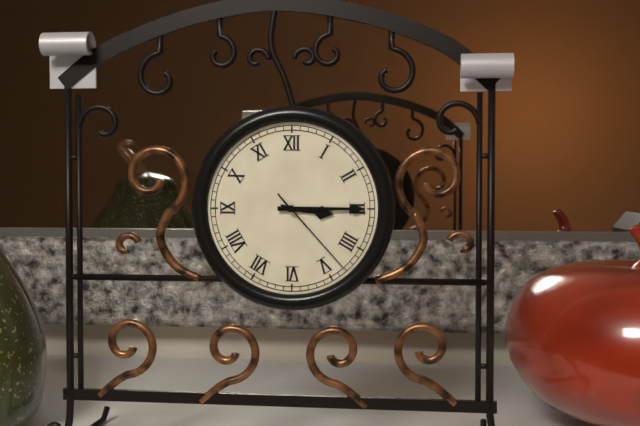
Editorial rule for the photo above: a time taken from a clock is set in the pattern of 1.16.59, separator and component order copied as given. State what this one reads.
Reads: 3.15.23
